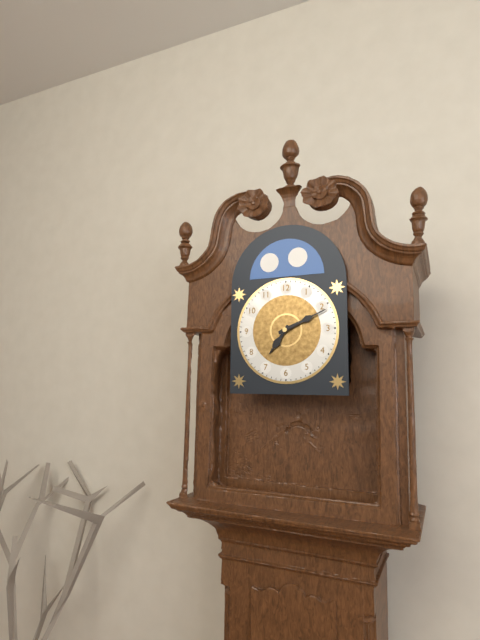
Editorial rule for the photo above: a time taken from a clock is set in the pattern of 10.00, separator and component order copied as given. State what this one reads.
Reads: 7.11
